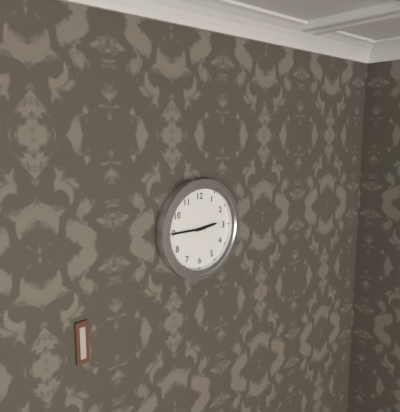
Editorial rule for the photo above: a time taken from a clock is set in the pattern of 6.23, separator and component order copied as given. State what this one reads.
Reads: 2.45
